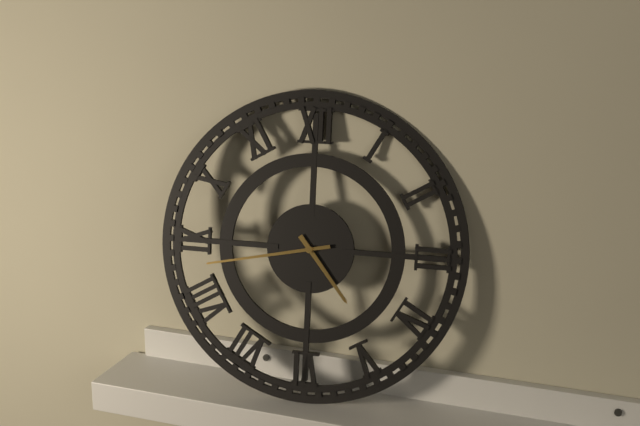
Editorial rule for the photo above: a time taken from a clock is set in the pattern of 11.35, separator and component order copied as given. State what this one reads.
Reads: 4.43
